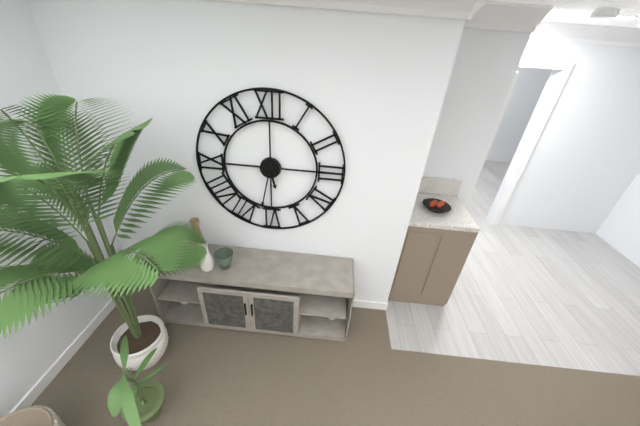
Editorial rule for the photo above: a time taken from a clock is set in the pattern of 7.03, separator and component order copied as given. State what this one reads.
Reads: 5.32
